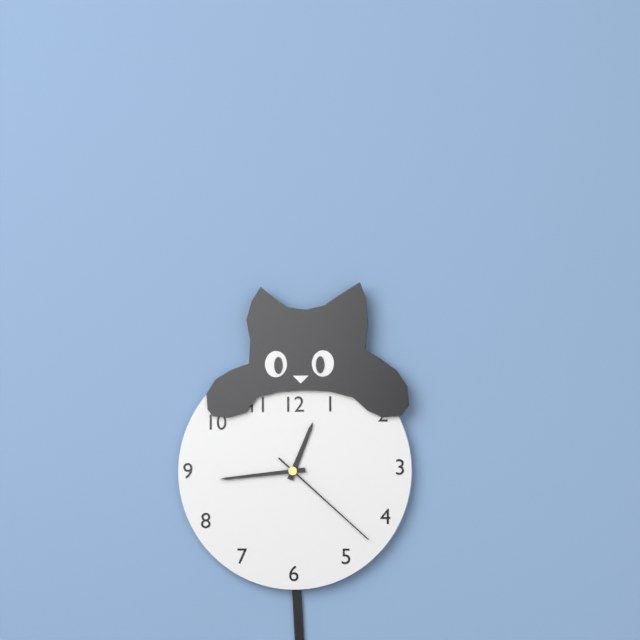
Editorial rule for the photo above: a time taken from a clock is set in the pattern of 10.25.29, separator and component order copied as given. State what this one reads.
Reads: 12.44.22
